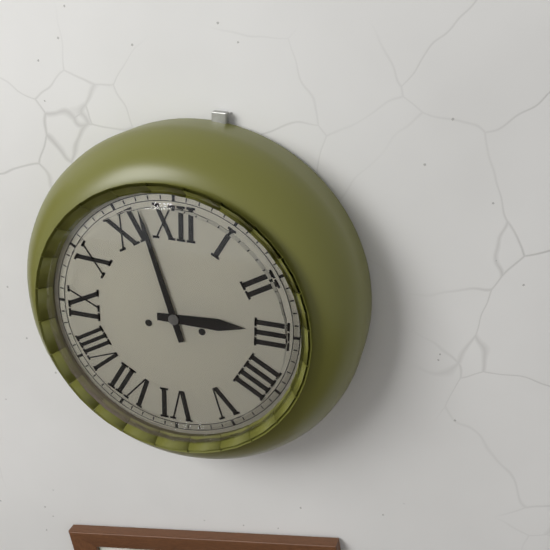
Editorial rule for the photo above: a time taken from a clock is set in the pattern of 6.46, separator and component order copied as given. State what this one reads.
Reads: 2.57
